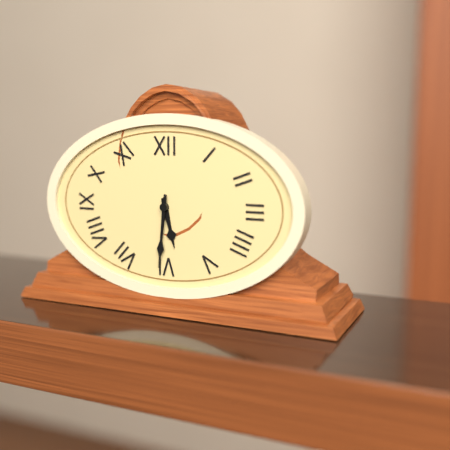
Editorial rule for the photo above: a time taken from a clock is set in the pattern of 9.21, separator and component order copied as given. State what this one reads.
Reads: 5.31
